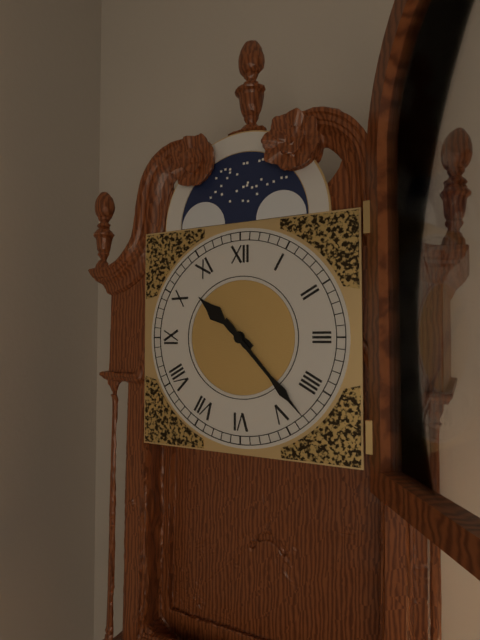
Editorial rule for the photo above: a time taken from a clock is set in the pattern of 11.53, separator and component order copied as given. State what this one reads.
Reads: 10.23
